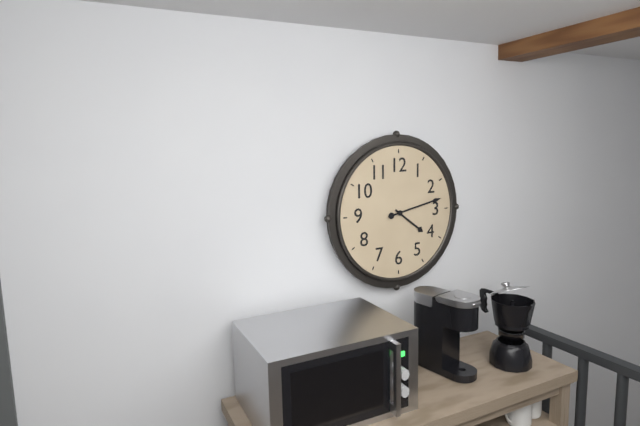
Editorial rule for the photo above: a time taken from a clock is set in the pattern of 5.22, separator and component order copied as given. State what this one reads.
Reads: 4.13
